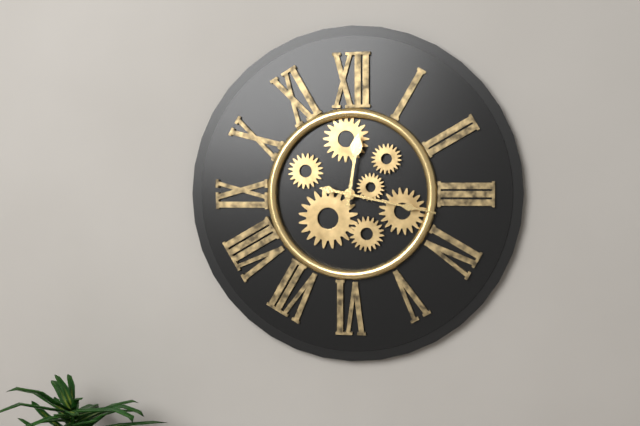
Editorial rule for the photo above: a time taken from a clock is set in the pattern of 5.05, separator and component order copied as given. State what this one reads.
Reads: 12.17
